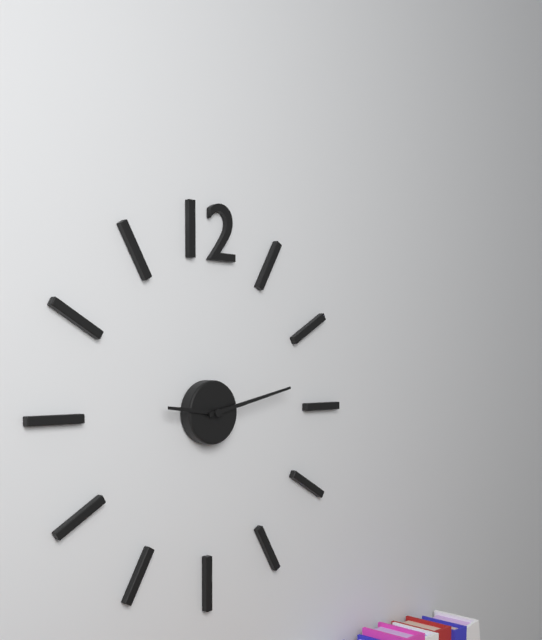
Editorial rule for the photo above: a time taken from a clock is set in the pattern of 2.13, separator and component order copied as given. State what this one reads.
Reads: 9.13
